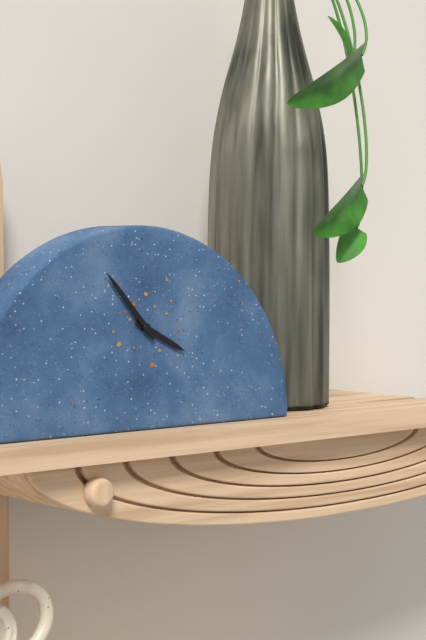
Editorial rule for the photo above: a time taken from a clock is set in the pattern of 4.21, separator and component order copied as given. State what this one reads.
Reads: 3.53
